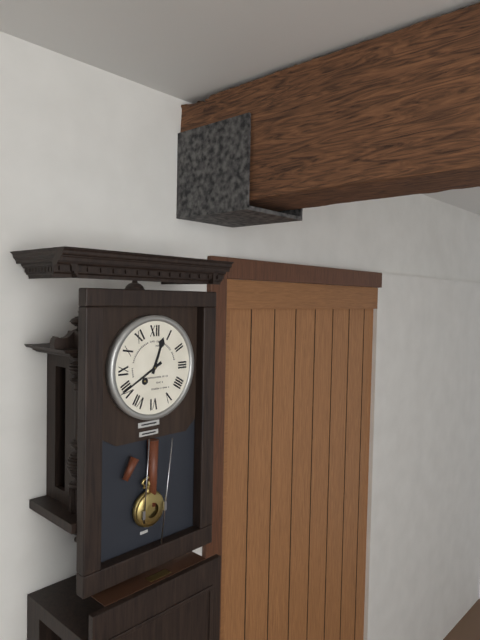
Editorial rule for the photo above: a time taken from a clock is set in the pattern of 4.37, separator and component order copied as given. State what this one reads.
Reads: 12.40
